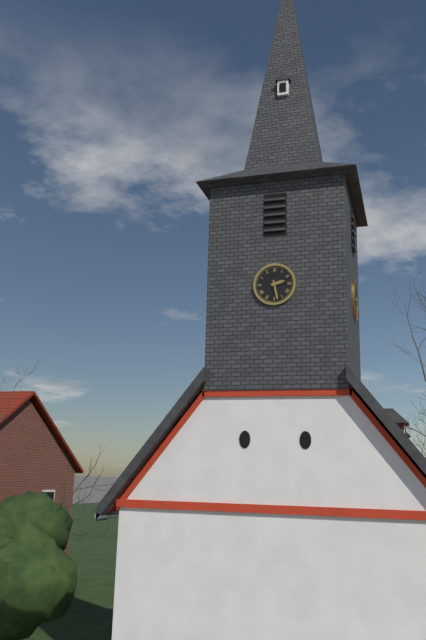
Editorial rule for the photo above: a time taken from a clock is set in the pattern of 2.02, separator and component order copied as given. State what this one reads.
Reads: 2.28
